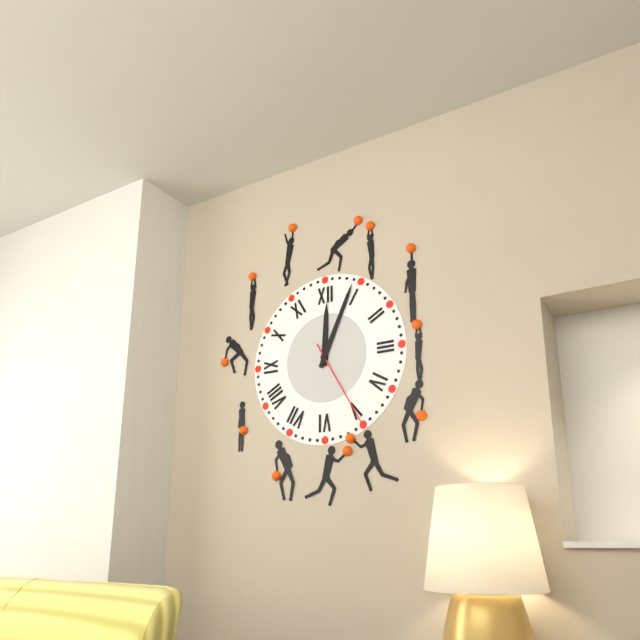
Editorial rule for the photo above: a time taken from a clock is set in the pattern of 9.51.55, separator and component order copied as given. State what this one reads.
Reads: 12.04.25
